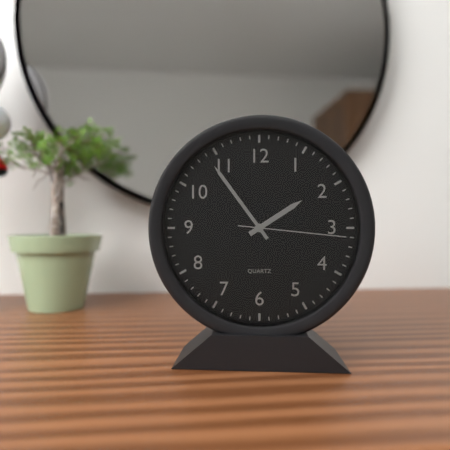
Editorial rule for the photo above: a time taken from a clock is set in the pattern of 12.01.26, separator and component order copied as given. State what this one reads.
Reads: 1.54.16
